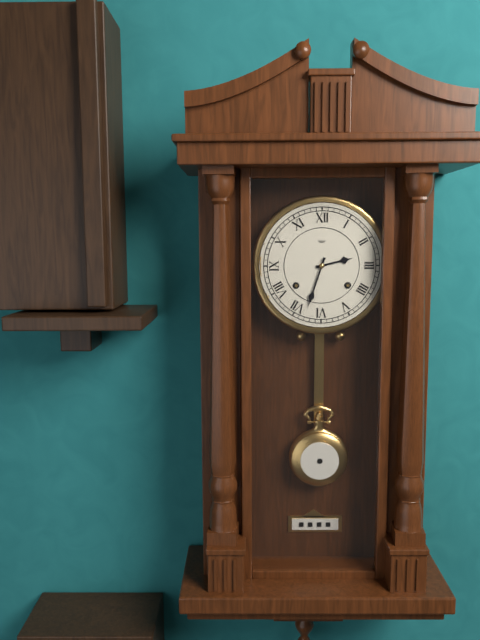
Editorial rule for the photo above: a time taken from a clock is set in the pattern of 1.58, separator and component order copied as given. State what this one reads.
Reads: 2.33
